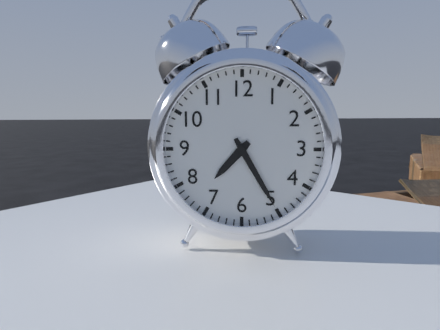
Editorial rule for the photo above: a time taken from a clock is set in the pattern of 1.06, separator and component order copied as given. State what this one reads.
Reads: 7.25
